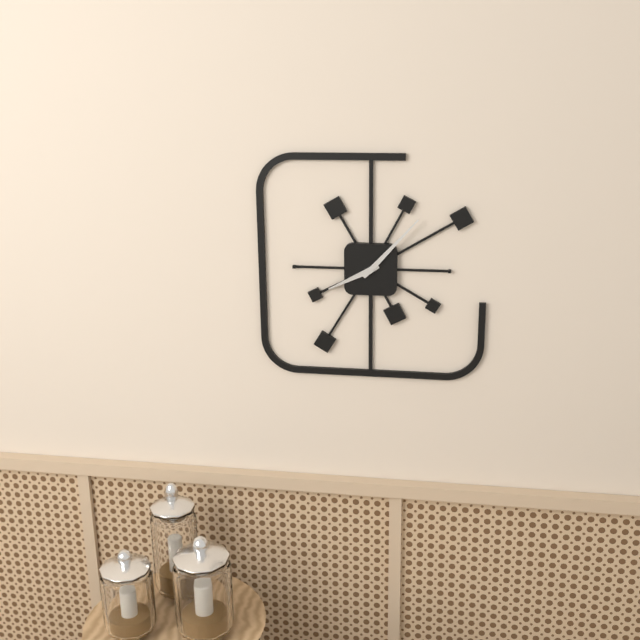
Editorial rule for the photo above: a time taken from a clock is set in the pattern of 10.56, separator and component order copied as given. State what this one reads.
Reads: 8.07
